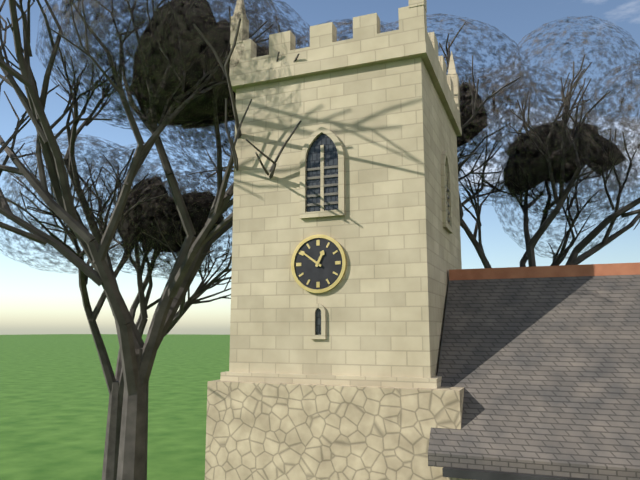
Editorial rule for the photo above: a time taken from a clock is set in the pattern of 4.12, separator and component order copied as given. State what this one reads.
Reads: 12.51
